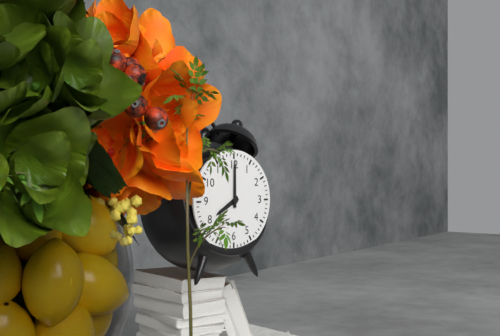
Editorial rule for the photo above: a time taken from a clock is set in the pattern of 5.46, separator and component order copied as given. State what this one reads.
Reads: 8.00
